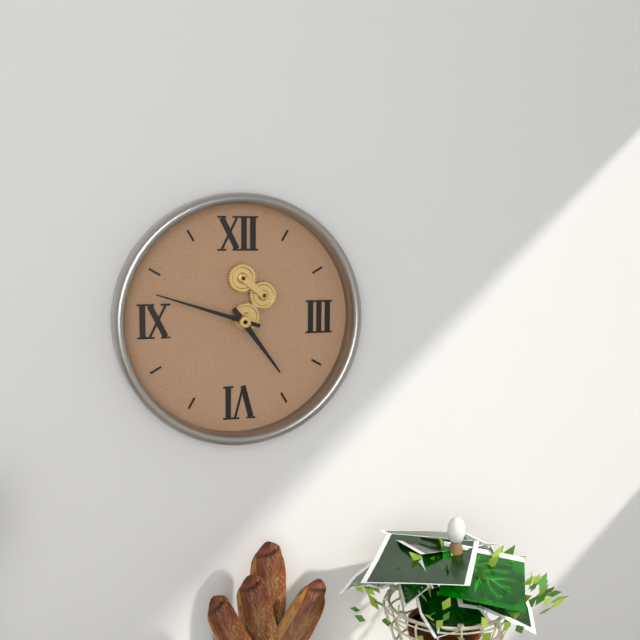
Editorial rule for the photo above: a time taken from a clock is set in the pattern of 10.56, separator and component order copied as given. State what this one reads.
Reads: 4.48
